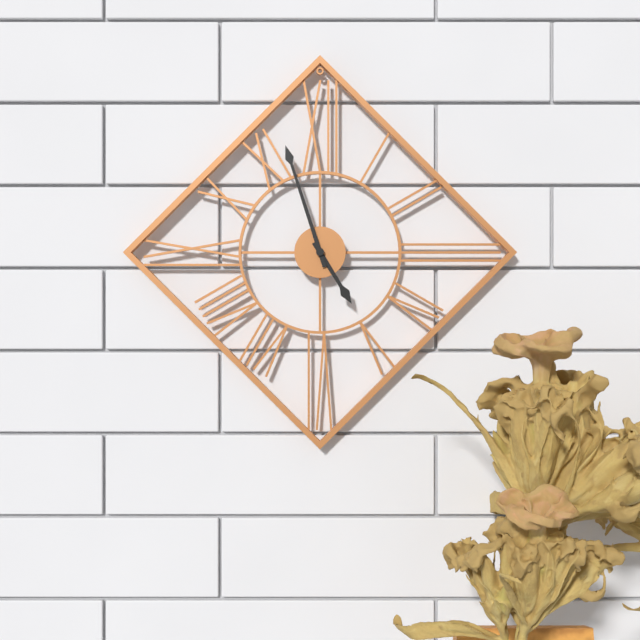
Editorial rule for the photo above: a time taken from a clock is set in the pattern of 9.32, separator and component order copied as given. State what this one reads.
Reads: 4.57
